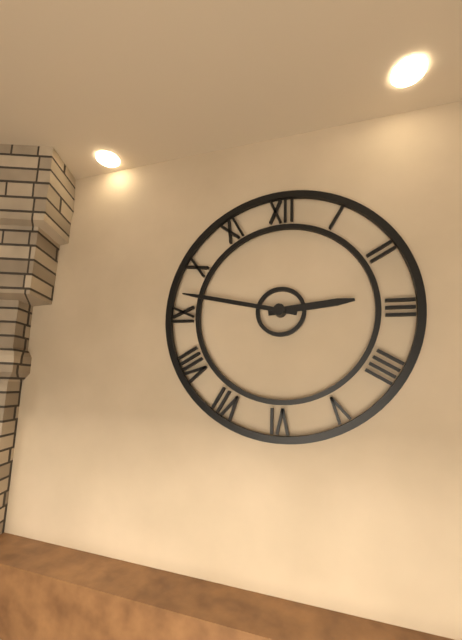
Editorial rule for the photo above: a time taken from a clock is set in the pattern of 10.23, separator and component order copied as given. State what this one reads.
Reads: 2.47
